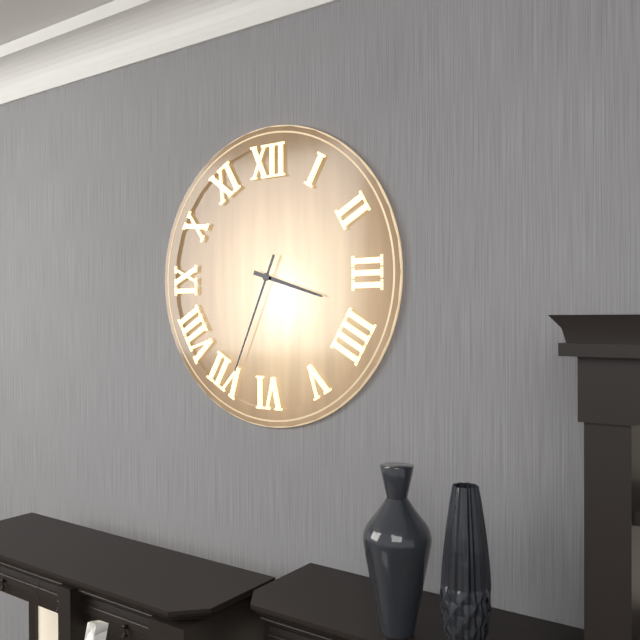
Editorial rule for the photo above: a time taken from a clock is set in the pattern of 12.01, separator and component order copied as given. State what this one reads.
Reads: 3.34
